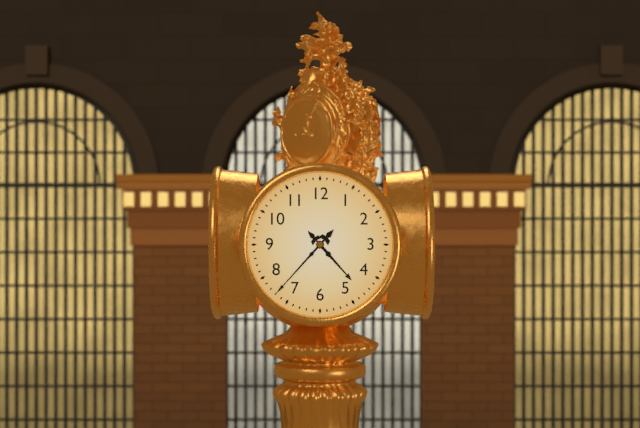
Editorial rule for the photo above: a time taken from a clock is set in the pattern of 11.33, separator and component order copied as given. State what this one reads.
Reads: 4.37
